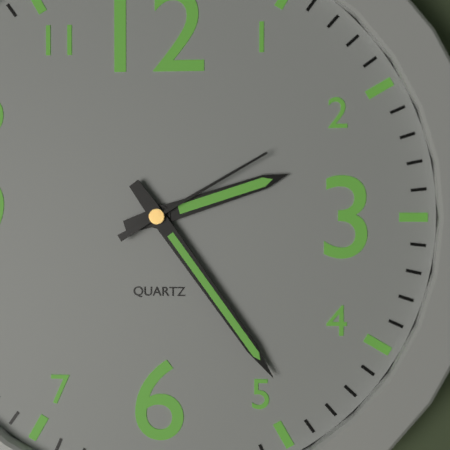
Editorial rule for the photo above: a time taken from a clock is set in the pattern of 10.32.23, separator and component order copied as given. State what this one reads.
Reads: 2.24.10
